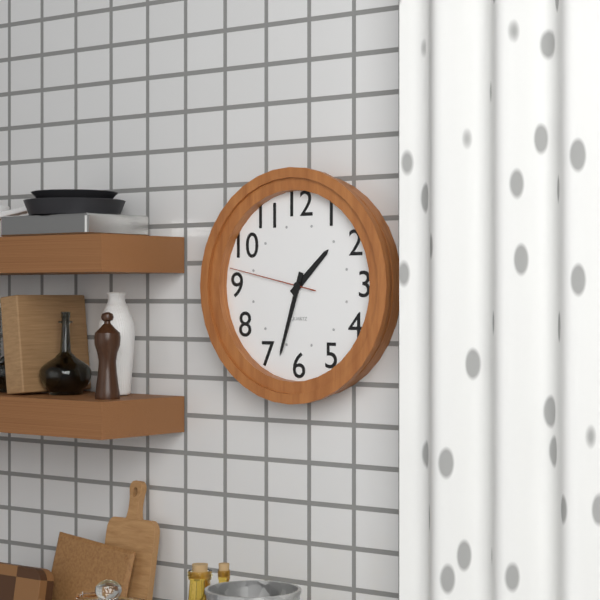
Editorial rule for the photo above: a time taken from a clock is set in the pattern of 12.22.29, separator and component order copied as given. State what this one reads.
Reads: 1.33.47
